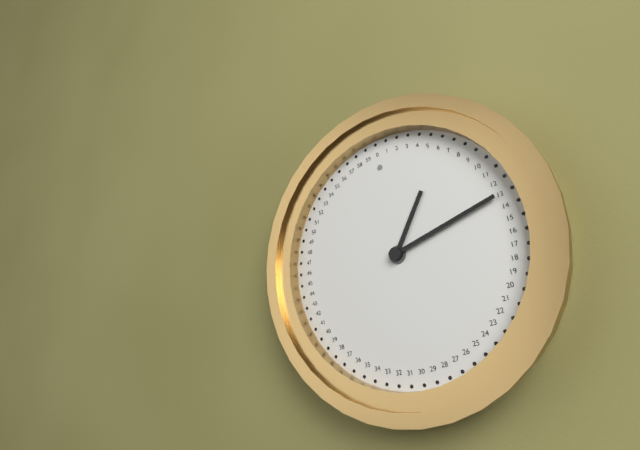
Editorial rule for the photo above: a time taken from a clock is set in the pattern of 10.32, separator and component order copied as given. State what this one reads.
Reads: 1.13
